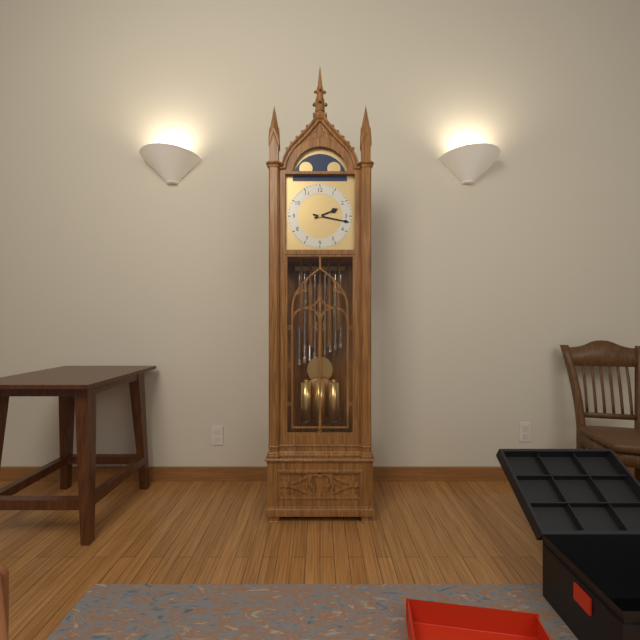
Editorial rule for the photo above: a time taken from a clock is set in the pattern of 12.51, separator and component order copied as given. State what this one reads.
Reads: 2.17
